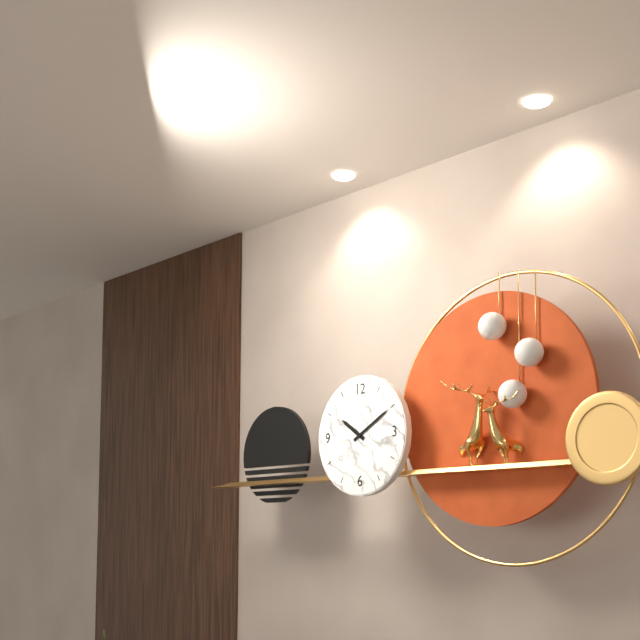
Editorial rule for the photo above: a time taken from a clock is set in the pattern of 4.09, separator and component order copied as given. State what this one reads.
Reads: 10.10
